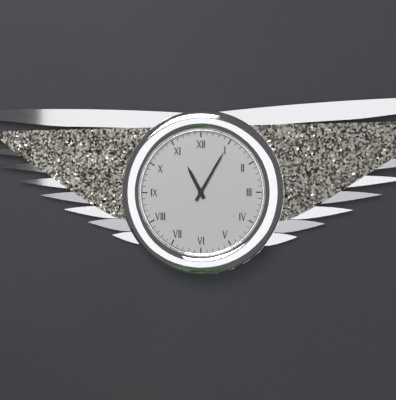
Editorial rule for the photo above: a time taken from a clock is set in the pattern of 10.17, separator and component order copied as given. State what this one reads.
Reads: 11.05
